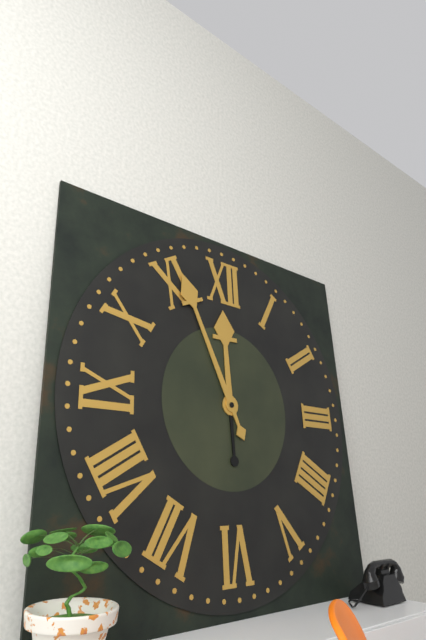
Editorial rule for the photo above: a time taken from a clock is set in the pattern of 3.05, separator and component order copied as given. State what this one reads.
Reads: 11.56
